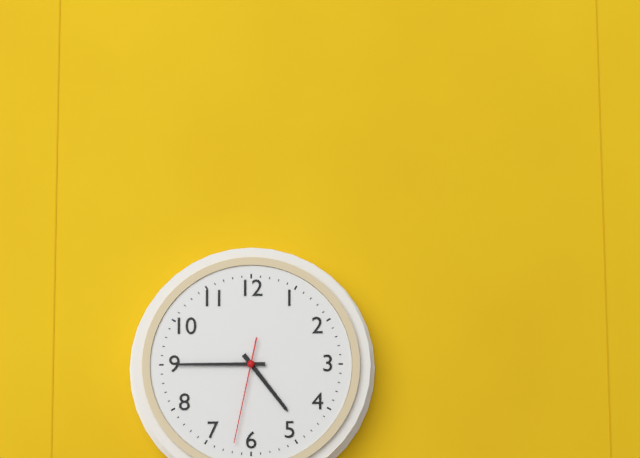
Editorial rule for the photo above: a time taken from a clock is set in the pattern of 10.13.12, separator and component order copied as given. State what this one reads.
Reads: 4.45.32
